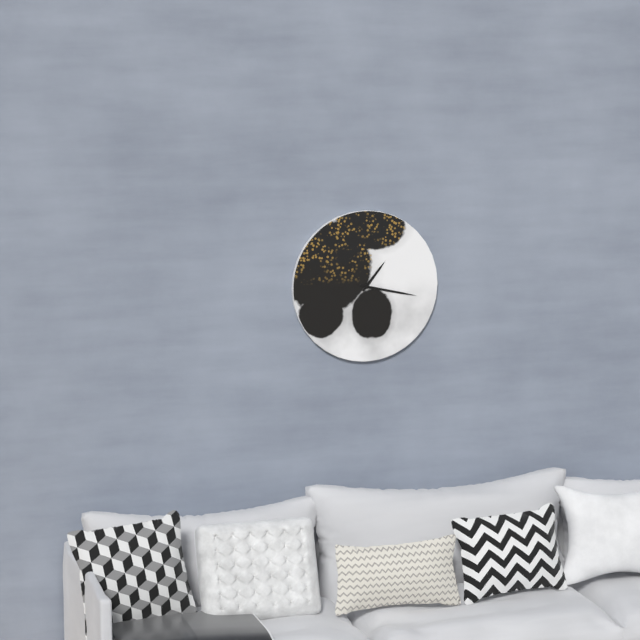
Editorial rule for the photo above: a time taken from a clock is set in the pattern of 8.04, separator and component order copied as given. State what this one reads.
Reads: 1.17
